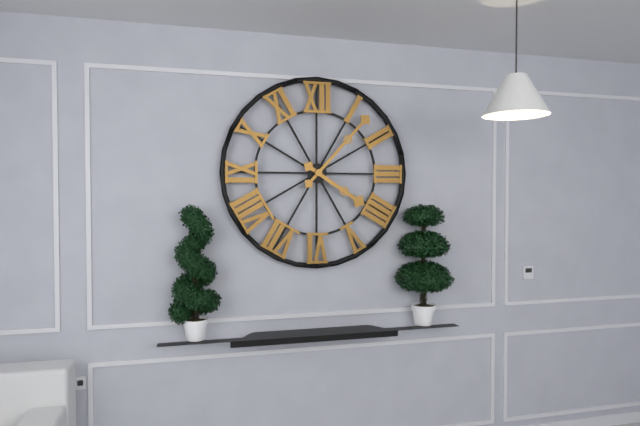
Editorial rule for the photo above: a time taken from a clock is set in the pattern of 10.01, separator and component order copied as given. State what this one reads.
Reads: 4.07
